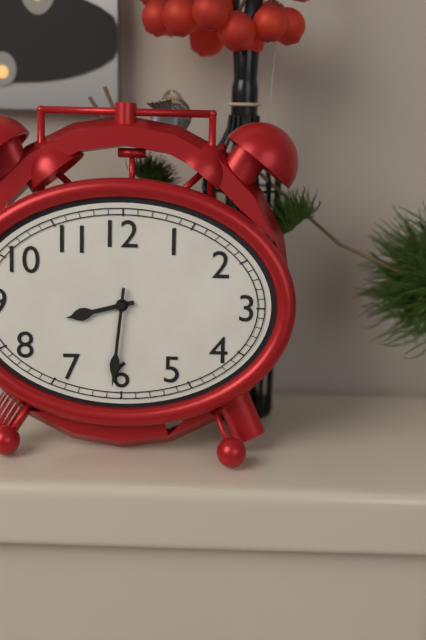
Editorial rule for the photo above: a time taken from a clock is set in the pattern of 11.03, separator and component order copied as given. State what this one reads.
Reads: 8.31
